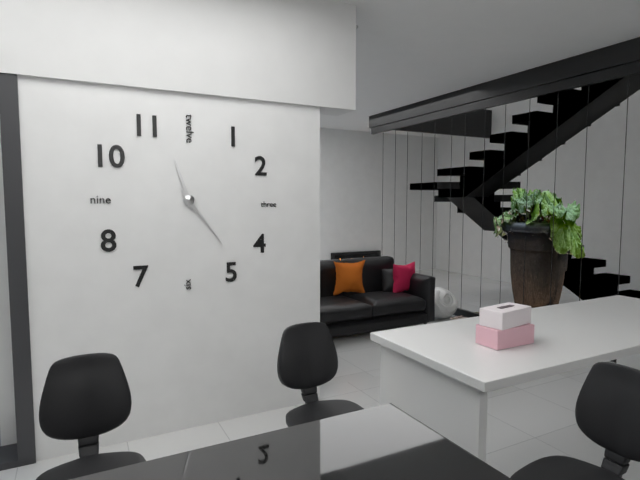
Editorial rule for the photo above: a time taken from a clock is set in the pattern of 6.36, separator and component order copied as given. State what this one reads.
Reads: 11.24
